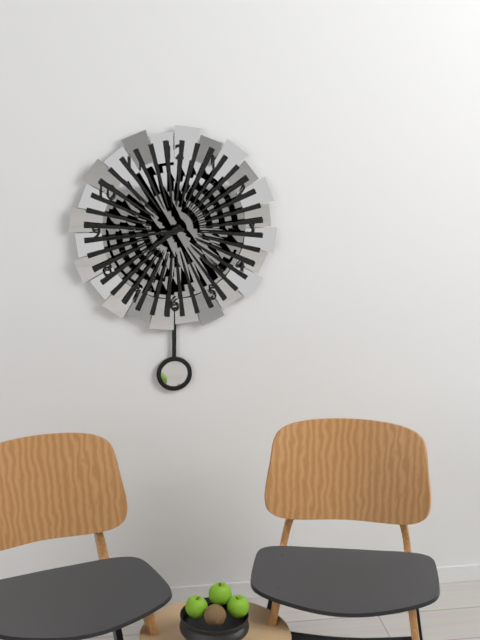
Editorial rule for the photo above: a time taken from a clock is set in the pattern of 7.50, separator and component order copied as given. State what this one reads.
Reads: 7.44
